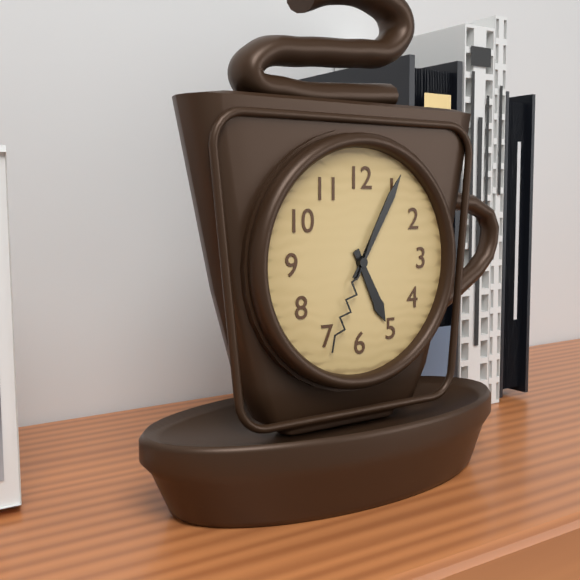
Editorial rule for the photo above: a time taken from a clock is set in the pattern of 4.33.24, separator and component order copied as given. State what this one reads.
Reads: 5.05.34
